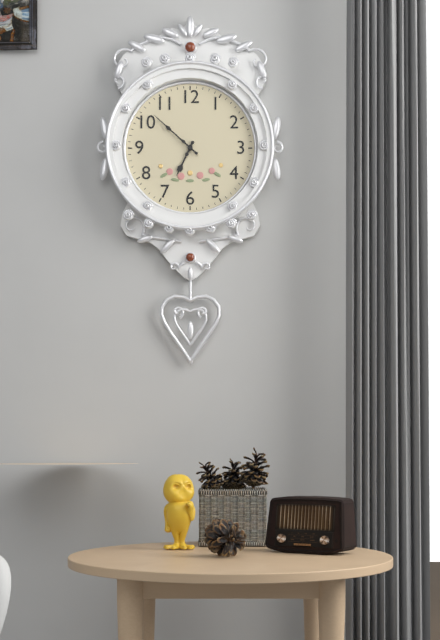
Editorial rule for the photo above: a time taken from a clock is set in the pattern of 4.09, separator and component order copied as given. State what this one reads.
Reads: 6.52
